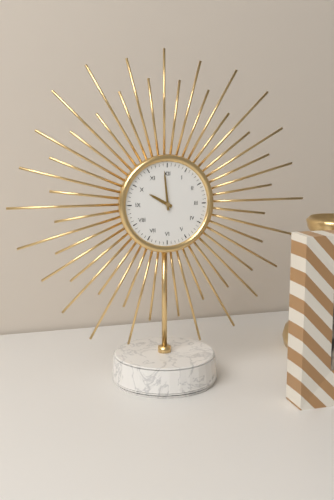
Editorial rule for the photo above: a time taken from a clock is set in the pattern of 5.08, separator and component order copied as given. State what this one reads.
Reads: 9.59
